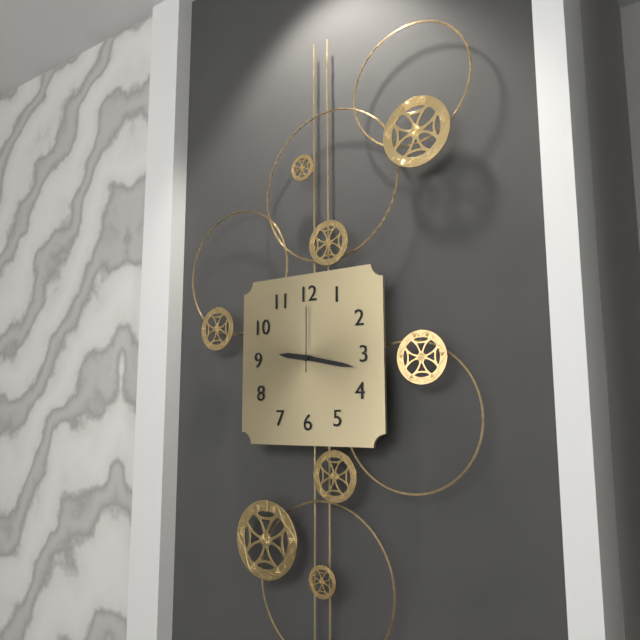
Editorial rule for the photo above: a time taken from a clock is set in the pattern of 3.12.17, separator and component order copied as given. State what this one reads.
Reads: 9.17.00
